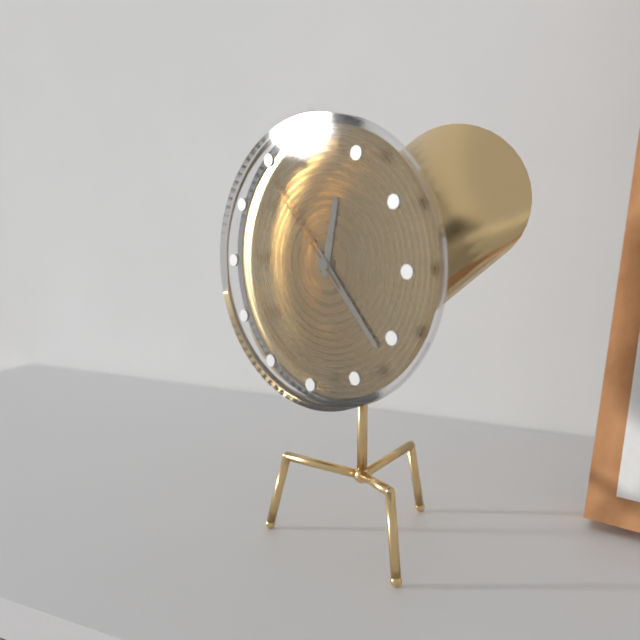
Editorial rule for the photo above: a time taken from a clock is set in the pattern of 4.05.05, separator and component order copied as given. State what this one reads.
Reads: 12.23.53
